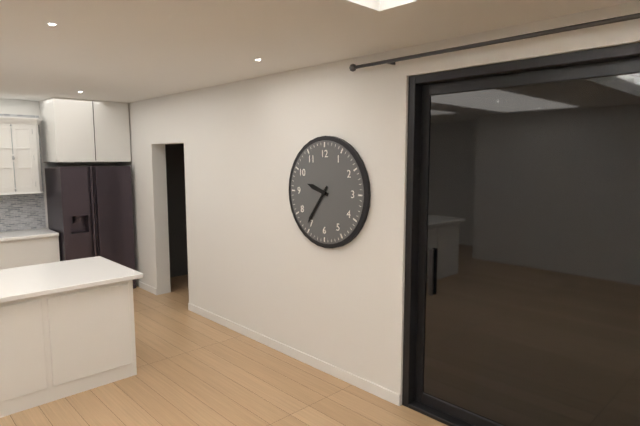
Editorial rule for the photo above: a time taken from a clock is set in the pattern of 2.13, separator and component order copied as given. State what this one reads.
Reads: 9.36
